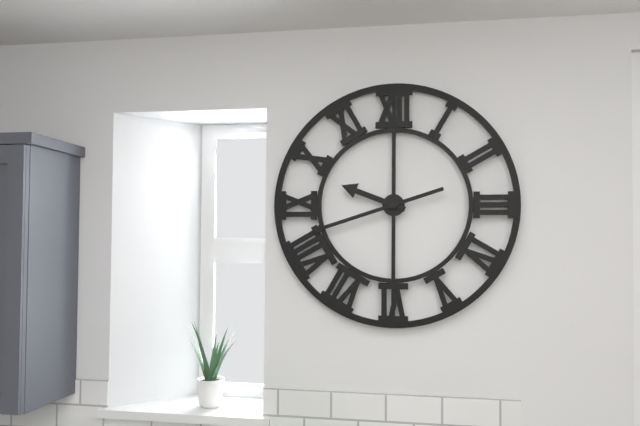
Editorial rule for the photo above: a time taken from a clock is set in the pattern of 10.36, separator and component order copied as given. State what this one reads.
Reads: 9.42
